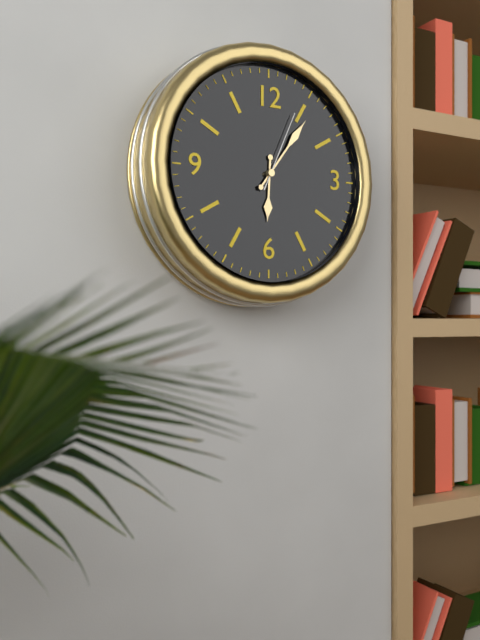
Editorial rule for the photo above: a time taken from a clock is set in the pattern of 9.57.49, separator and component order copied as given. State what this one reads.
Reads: 6.06.04
